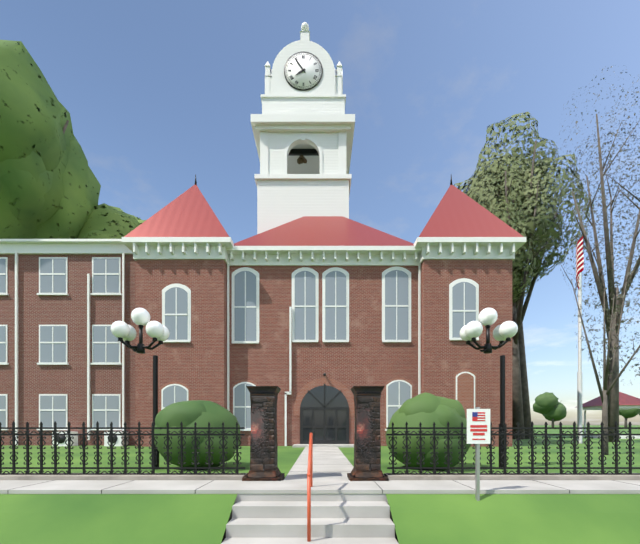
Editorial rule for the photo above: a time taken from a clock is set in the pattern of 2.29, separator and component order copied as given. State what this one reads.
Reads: 7.54
